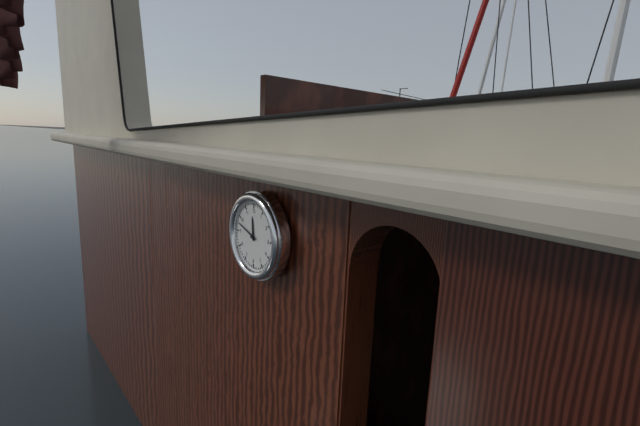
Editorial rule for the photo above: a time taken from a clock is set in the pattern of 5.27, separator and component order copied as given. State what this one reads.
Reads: 11.48
